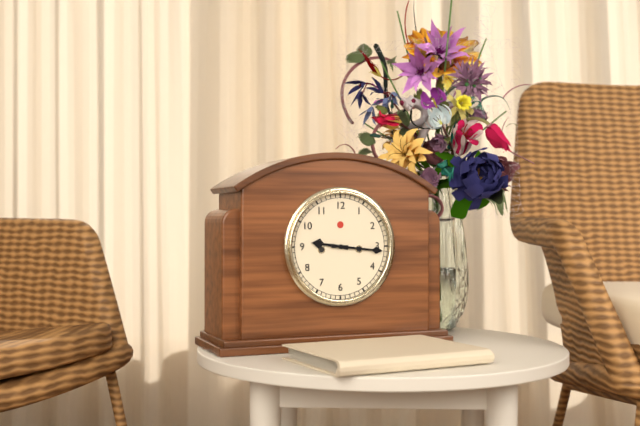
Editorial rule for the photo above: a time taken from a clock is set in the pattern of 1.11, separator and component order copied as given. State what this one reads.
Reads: 9.16
